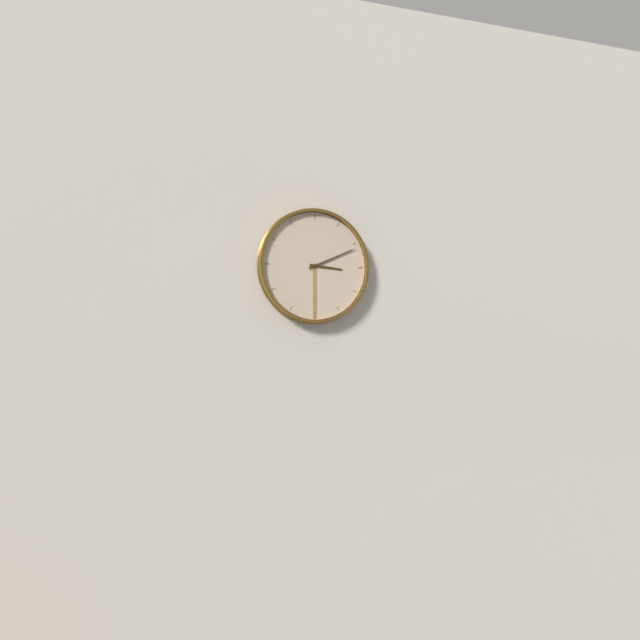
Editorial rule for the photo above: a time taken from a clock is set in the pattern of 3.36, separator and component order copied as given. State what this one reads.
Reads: 3.11
